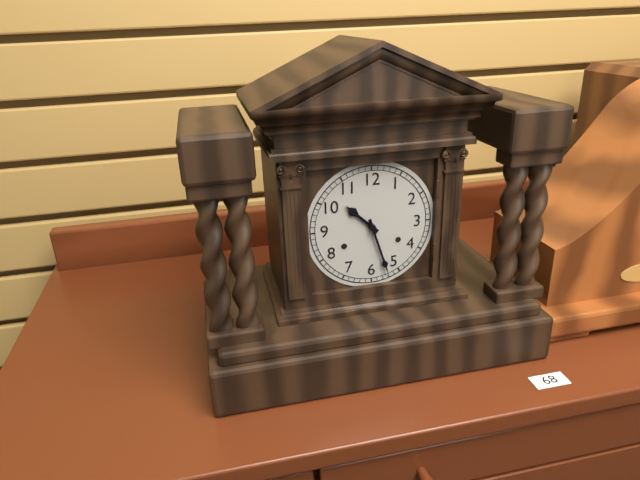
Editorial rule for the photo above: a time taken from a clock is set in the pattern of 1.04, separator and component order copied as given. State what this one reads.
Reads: 10.27
